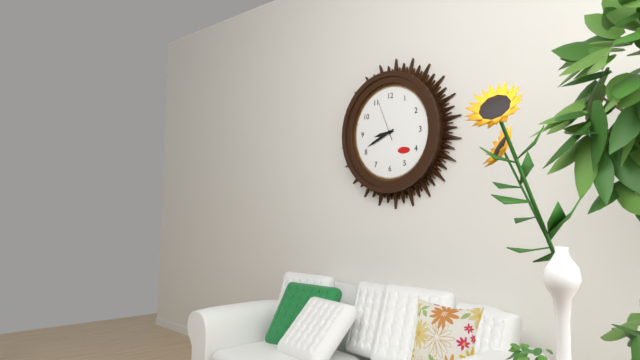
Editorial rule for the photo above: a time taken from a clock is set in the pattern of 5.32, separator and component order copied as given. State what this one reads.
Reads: 8.41
